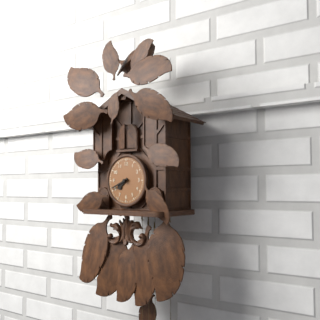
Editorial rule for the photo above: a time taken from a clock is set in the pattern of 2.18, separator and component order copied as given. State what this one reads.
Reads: 7.41
